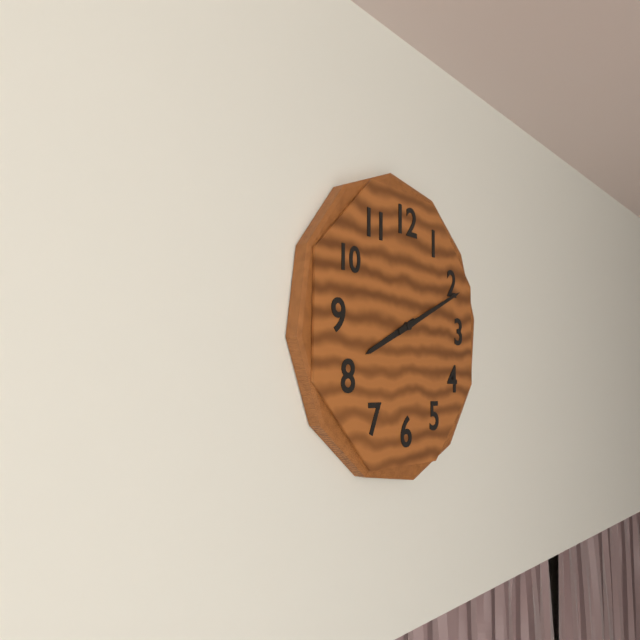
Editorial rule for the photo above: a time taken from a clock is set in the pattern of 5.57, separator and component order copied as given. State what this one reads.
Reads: 8.11
